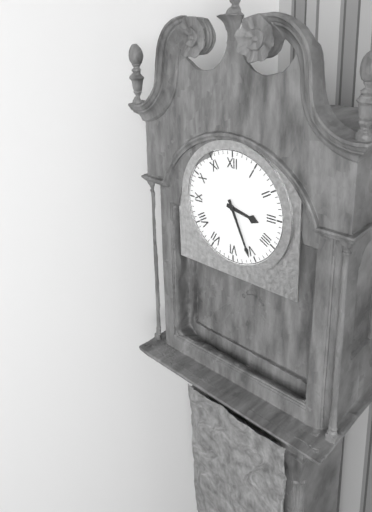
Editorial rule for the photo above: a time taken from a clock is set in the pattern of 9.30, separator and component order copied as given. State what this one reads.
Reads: 3.26
